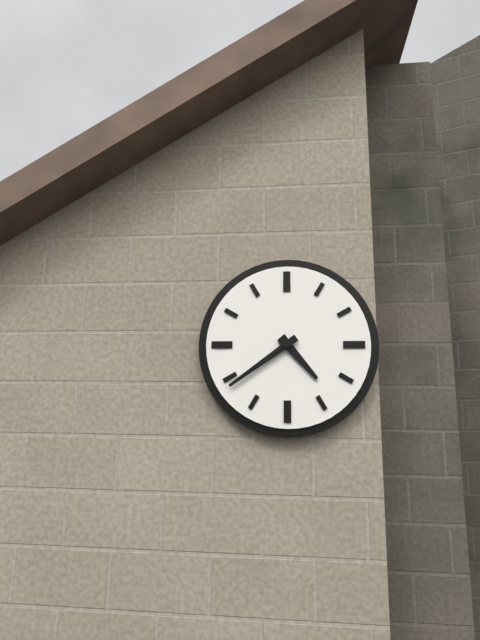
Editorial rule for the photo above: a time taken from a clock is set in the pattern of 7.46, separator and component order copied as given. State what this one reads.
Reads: 4.39
